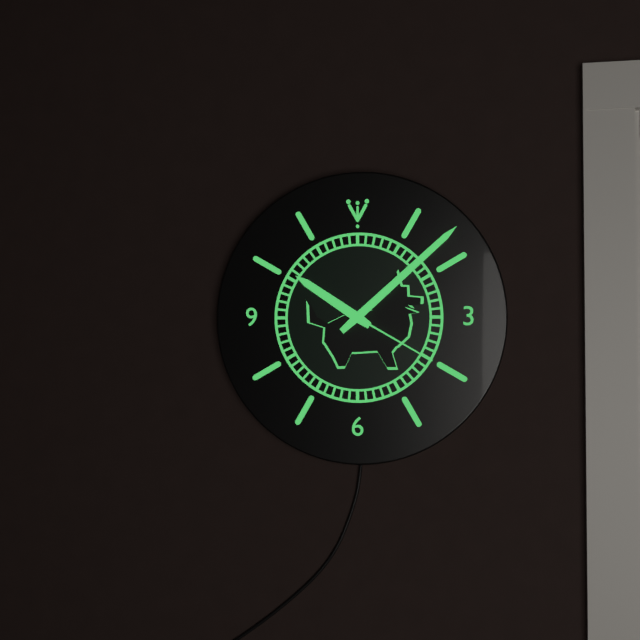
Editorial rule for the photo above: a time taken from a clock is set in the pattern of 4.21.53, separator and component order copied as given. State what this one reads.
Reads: 10.08.20
